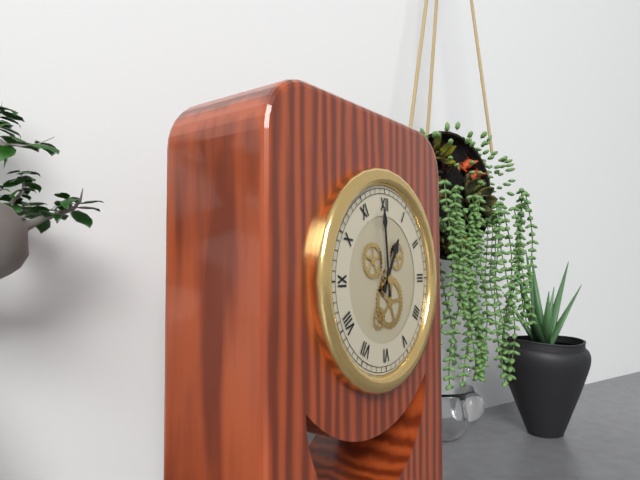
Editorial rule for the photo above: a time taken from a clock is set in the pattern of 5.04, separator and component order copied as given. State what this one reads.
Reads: 12.59
